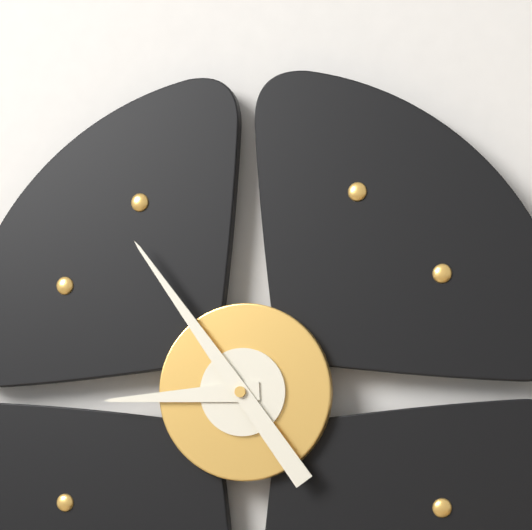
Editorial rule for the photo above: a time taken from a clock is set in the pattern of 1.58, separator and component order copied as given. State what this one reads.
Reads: 8.54
